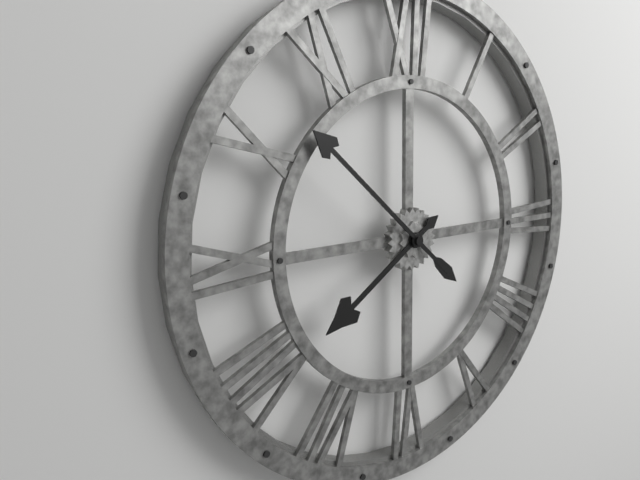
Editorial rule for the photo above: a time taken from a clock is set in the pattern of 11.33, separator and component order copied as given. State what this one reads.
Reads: 7.52
